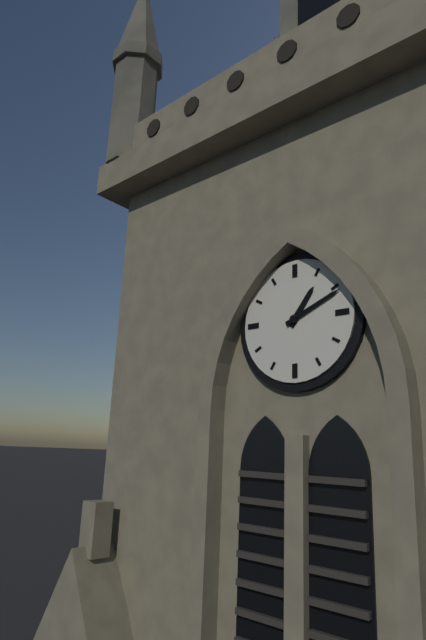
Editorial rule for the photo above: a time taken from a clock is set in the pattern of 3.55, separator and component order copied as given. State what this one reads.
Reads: 1.11
